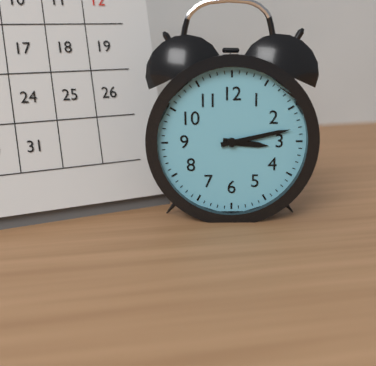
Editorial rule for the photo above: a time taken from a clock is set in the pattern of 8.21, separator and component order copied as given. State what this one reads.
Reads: 3.13
